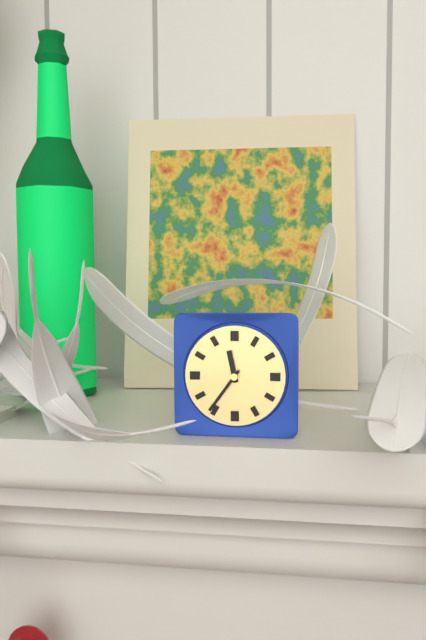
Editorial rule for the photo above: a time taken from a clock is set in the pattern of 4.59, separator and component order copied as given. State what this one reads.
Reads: 11.36
